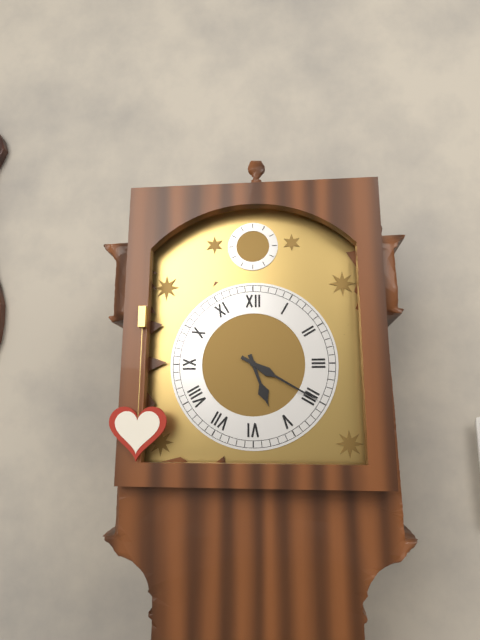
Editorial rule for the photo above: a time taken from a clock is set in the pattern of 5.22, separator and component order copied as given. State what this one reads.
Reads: 5.20
